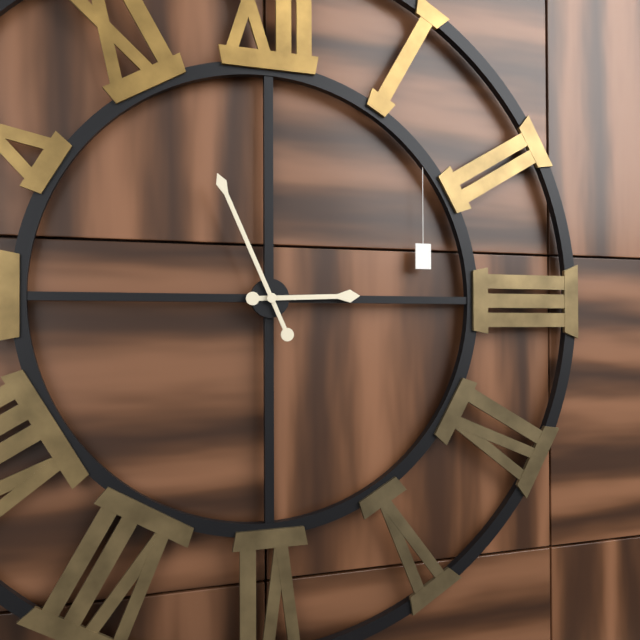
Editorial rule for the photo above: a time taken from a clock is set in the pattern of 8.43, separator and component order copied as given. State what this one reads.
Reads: 2.56
